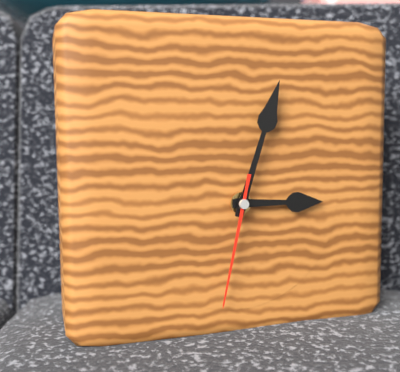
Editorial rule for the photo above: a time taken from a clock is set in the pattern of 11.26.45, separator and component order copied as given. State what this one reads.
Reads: 3.03.32
